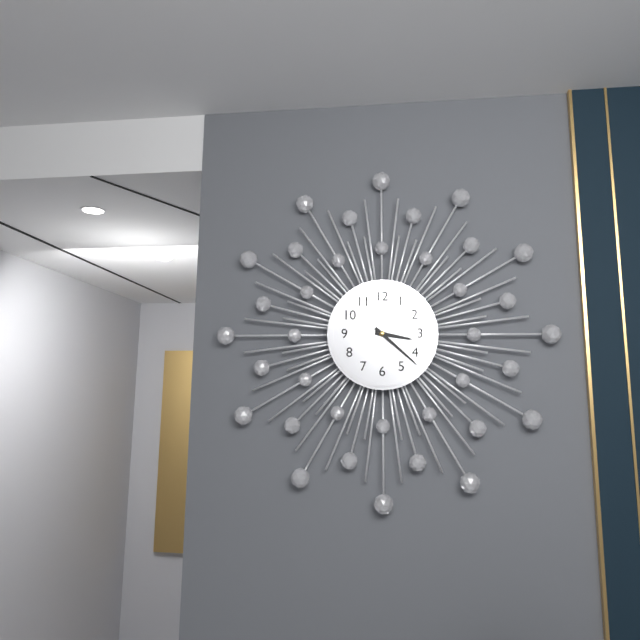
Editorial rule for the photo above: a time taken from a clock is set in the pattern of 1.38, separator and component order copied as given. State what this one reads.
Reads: 3.22
